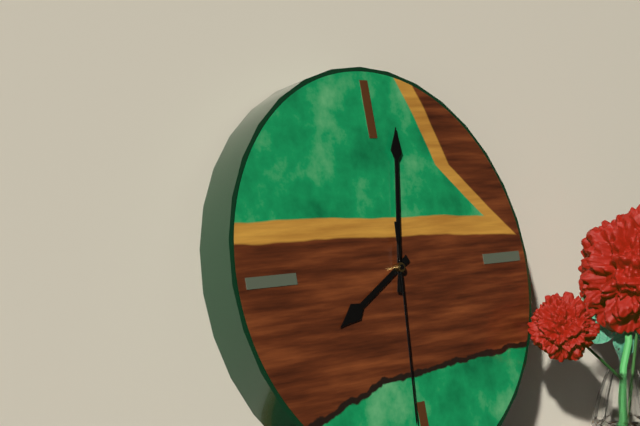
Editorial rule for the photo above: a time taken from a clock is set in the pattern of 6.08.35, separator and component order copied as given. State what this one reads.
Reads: 8.02.31
